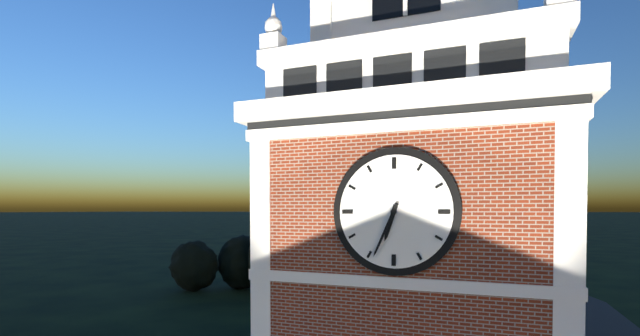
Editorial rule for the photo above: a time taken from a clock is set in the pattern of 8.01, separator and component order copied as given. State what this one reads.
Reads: 6.34
